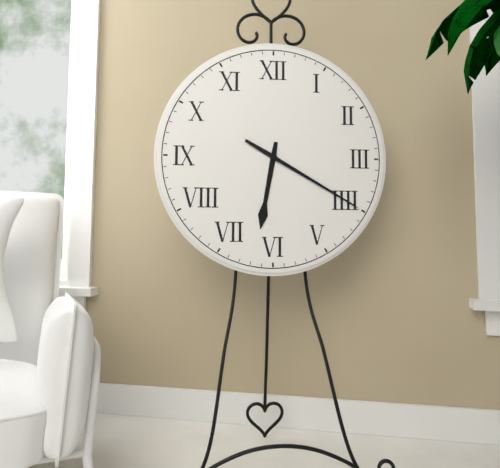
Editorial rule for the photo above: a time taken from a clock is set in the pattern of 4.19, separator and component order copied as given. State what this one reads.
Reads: 6.20
